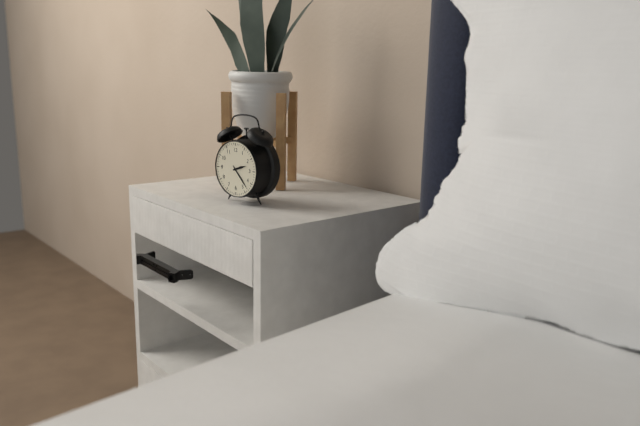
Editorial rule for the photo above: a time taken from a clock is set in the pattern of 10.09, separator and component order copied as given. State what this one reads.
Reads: 2.23
